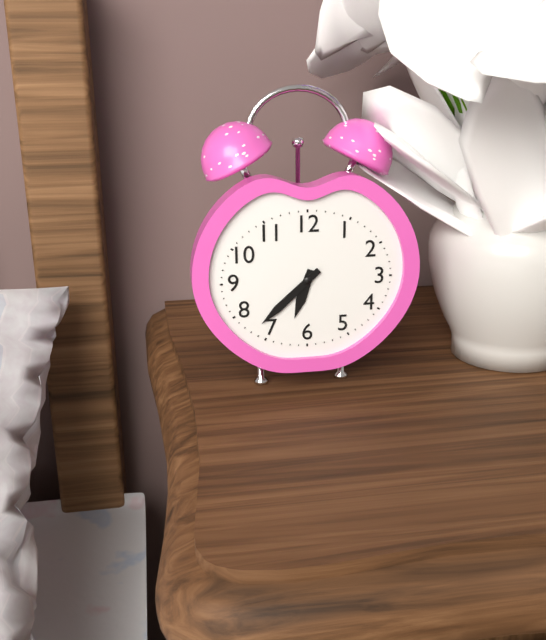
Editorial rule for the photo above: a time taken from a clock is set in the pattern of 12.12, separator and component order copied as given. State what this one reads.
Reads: 6.38
